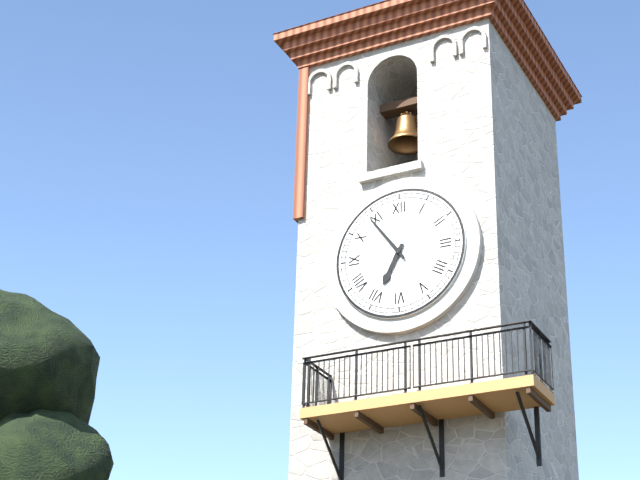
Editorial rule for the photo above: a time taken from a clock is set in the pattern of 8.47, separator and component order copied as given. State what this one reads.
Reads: 6.54
